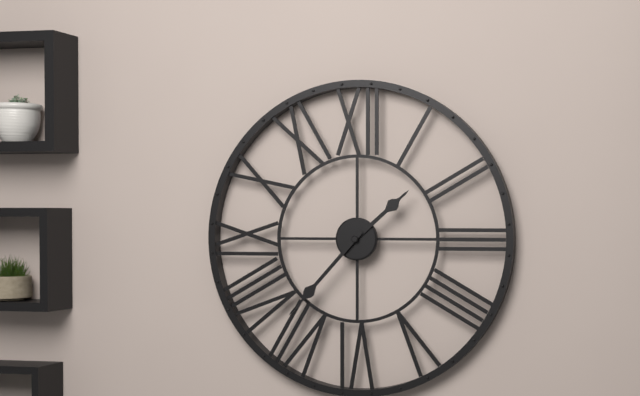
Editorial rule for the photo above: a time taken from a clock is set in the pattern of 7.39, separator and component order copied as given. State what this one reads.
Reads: 1.37
